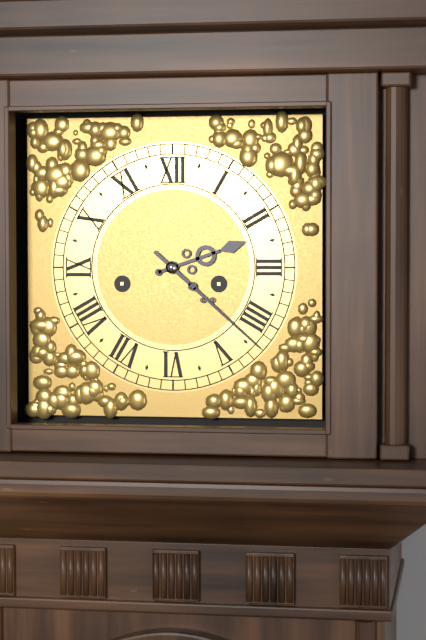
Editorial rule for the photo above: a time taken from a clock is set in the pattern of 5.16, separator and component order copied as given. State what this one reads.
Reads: 2.22
